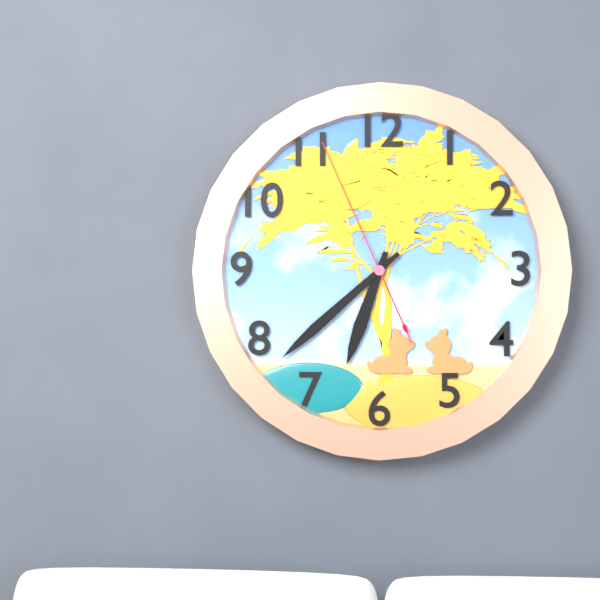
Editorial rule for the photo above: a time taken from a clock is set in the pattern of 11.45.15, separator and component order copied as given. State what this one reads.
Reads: 6.38.56
